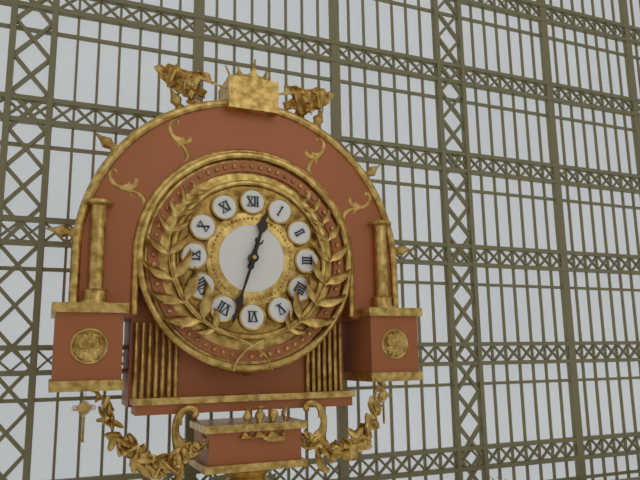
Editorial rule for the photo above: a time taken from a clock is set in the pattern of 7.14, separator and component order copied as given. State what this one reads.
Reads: 12.33
